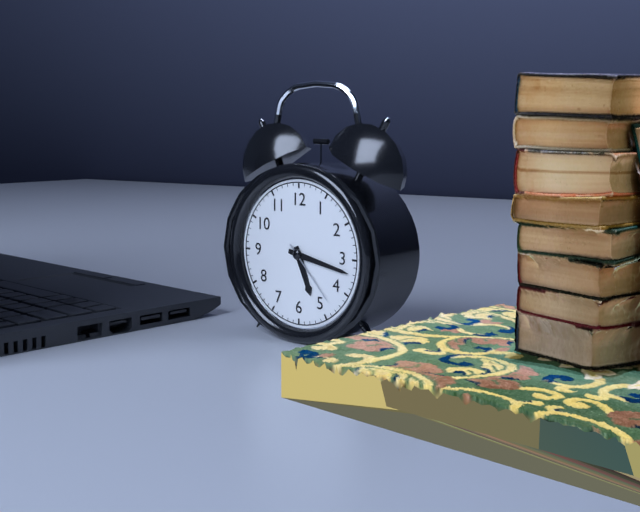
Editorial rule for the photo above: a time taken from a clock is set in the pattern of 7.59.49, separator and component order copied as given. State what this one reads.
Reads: 5.17.23
